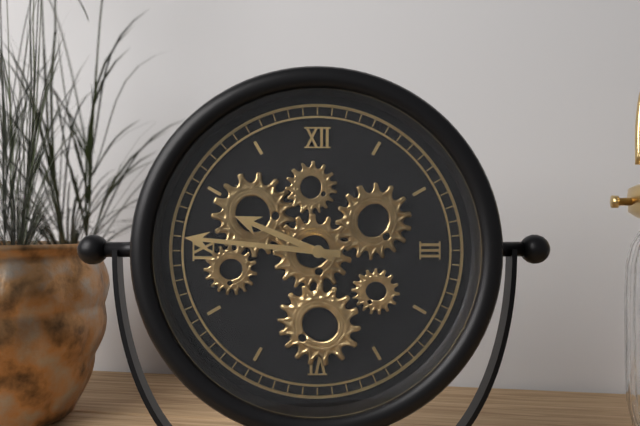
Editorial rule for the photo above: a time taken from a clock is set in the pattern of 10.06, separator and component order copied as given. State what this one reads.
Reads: 9.46
